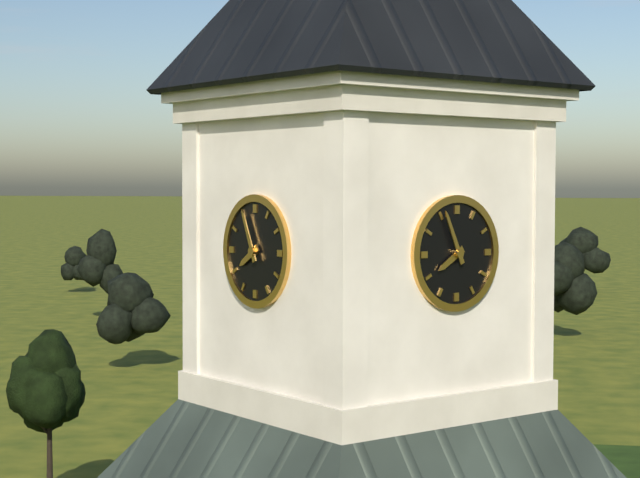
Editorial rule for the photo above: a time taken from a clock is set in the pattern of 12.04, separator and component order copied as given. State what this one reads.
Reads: 7.56
